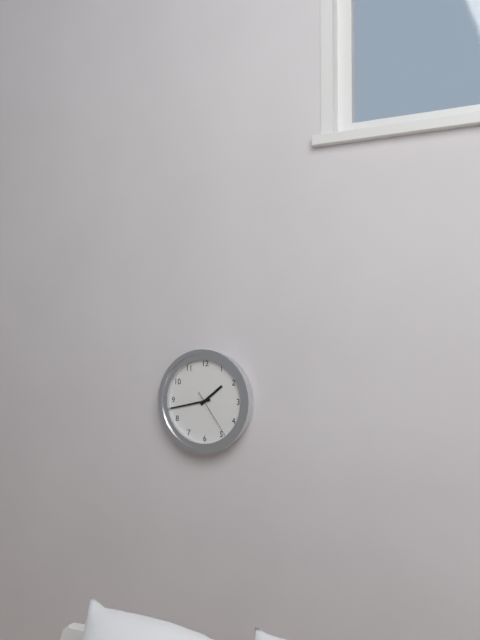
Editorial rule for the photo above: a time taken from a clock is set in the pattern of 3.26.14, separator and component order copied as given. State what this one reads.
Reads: 1.43.24
